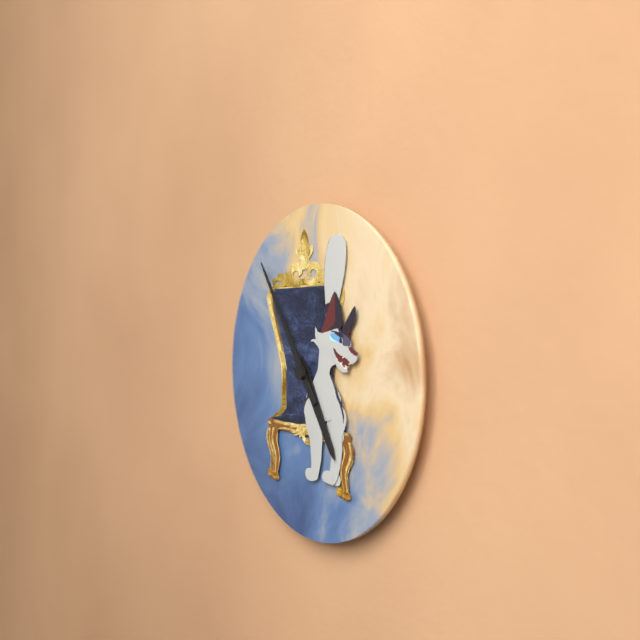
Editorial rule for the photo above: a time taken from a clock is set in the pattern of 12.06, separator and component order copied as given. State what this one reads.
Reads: 4.54
